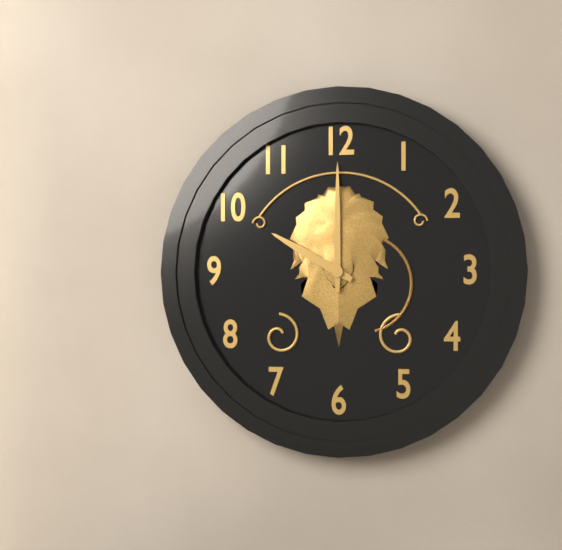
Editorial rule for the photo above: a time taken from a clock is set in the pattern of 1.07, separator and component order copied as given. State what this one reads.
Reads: 10.00
